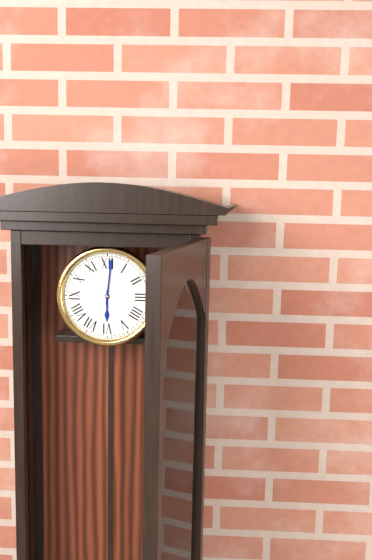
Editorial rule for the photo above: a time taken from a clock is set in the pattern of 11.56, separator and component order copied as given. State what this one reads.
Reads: 6.01
